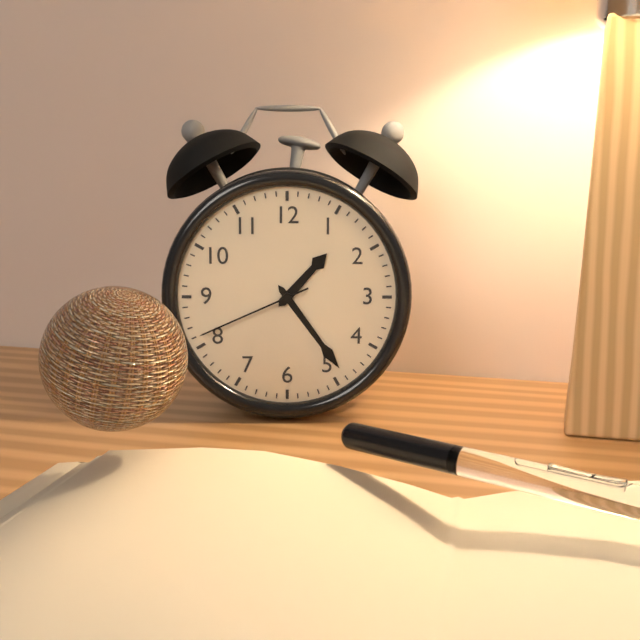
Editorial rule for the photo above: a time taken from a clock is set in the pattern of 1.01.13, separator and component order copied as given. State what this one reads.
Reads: 1.24.41
